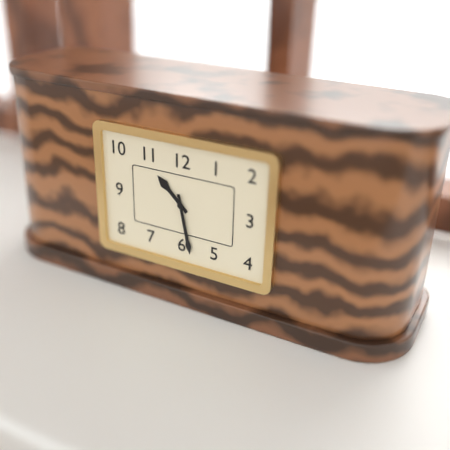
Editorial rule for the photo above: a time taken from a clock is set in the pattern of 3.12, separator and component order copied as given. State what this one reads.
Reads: 10.28
